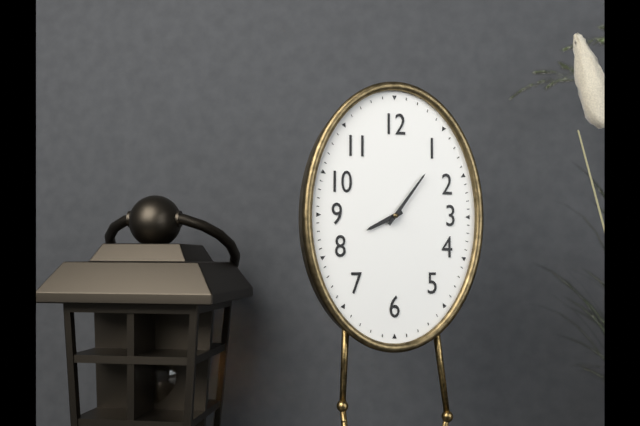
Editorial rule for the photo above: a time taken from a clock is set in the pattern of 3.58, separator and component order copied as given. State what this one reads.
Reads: 8.06
